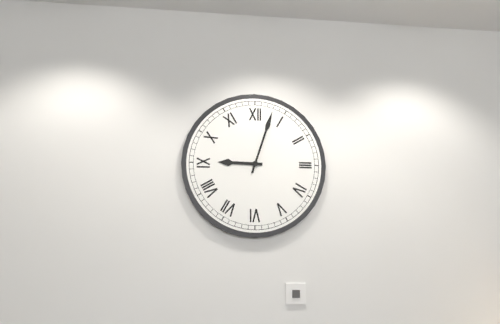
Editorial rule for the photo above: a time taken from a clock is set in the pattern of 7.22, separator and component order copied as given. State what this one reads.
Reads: 9.03
